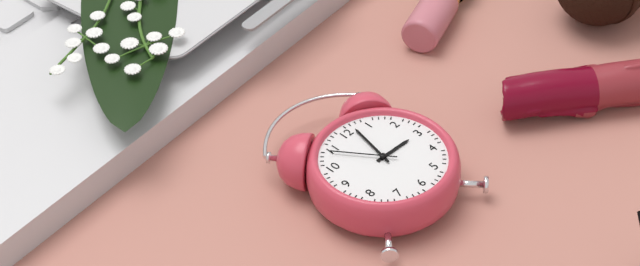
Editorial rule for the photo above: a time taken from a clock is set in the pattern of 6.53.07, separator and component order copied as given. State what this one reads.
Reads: 3.02.54
